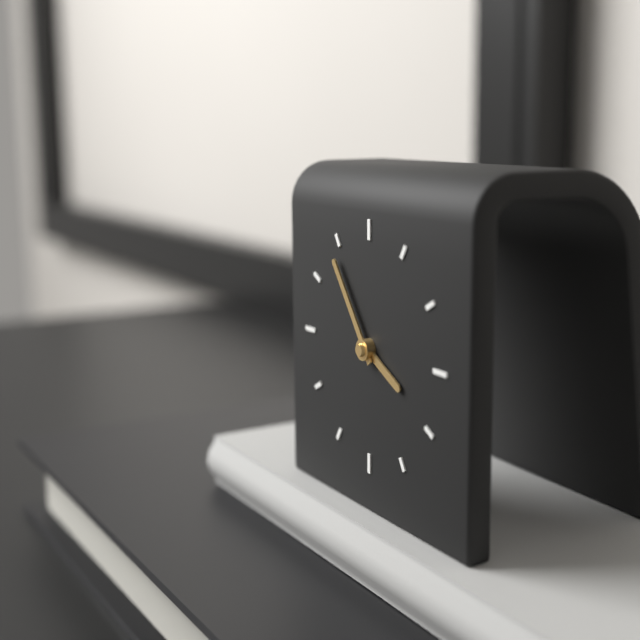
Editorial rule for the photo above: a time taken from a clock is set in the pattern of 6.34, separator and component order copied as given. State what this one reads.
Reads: 3.54
